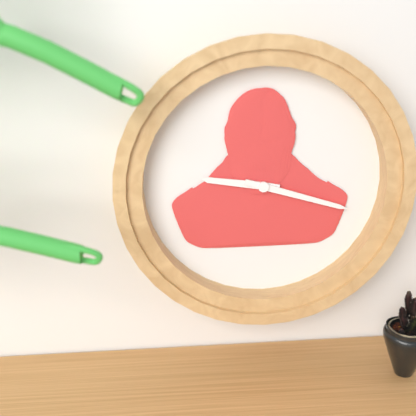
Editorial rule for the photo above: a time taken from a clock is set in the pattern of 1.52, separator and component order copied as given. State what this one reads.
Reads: 9.18
